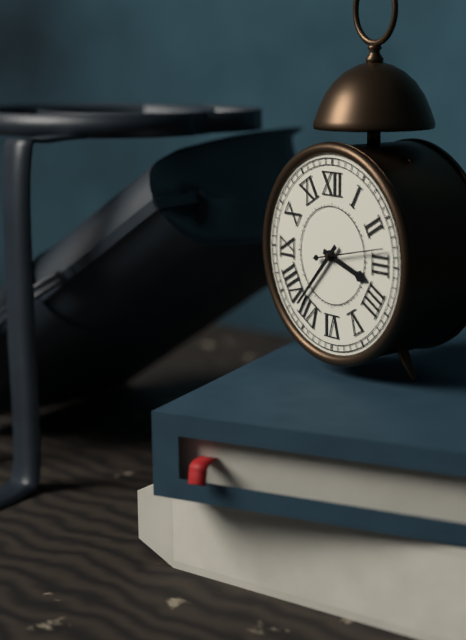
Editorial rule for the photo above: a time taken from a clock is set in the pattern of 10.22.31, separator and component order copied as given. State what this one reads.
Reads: 3.37.13
